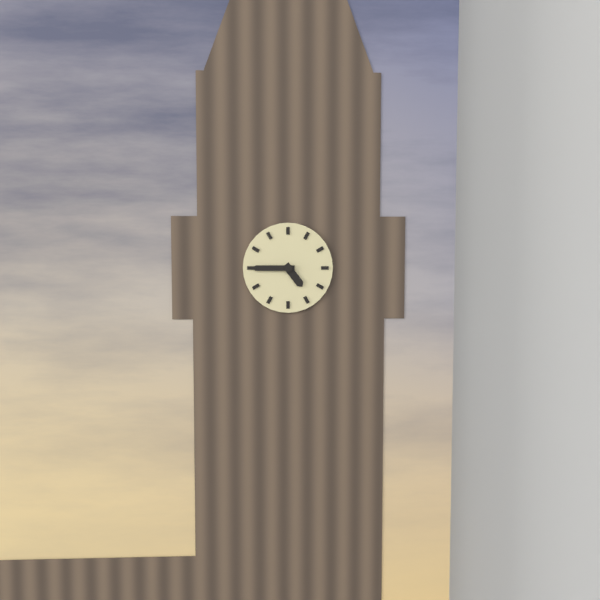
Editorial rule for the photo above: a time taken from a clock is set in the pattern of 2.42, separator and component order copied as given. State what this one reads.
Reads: 4.45
